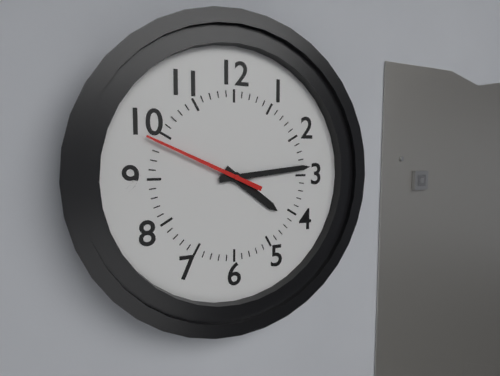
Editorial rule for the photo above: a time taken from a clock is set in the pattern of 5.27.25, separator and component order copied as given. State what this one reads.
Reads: 4.14.49
